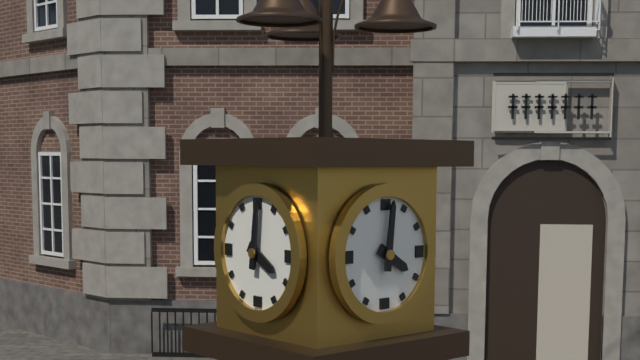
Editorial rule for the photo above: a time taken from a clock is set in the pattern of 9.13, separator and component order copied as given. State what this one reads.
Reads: 4.01
